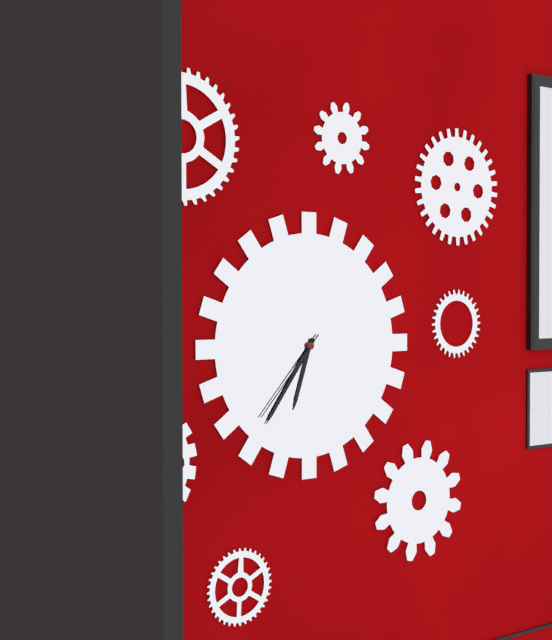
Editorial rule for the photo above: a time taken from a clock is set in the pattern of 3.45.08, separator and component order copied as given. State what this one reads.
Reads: 6.36.37
